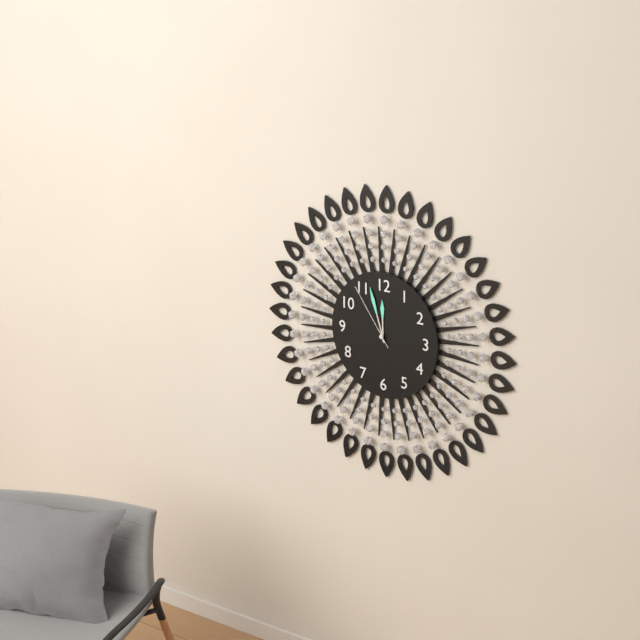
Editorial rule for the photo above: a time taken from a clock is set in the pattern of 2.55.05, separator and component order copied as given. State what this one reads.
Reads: 11.57.54
